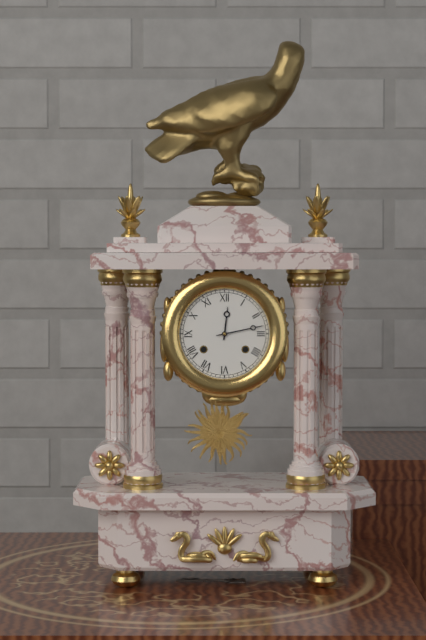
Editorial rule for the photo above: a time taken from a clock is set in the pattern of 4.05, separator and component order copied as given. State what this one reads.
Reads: 12.13
